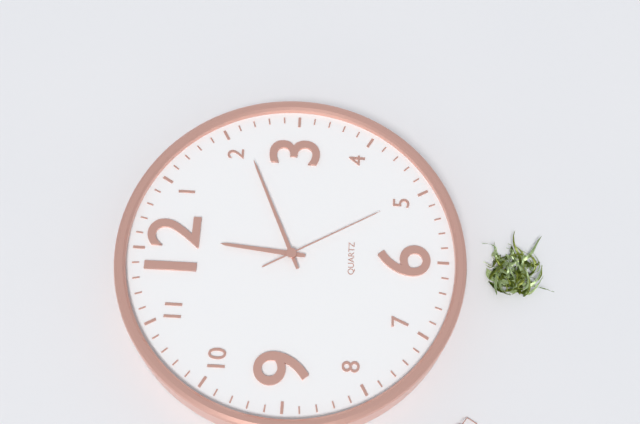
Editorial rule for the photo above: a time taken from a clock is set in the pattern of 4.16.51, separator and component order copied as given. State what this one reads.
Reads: 12.11.25
